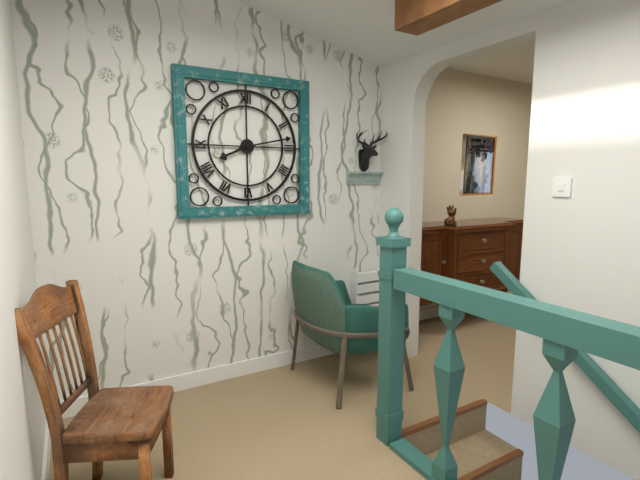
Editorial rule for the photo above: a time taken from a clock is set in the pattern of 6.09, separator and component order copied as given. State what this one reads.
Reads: 8.13
